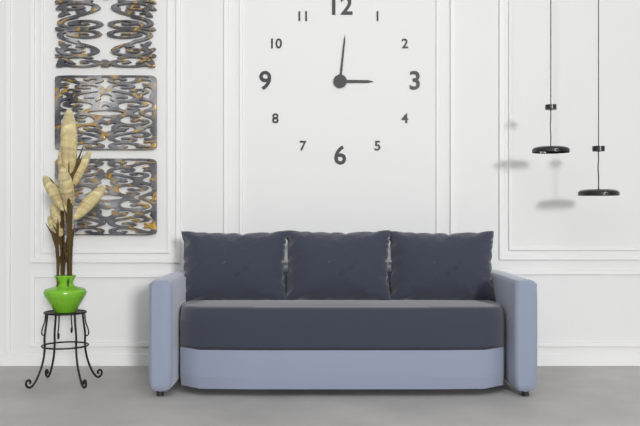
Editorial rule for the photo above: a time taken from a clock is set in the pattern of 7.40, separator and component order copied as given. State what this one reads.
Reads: 3.01
